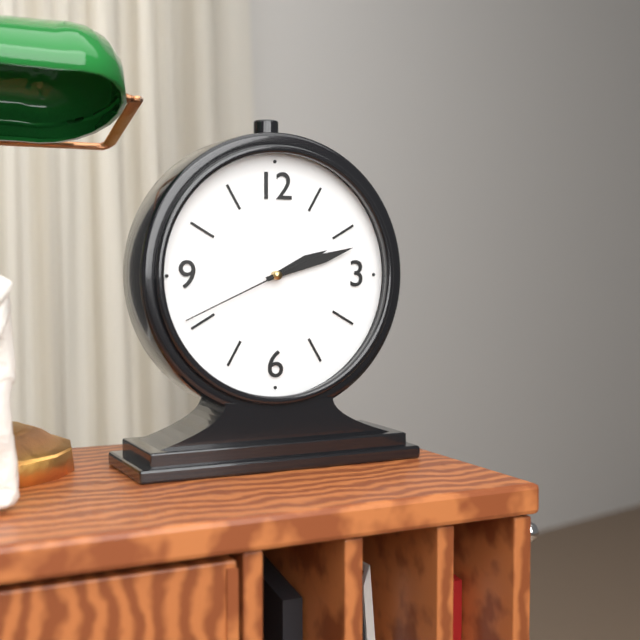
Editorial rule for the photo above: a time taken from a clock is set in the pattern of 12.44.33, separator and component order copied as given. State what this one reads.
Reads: 2.12.41
